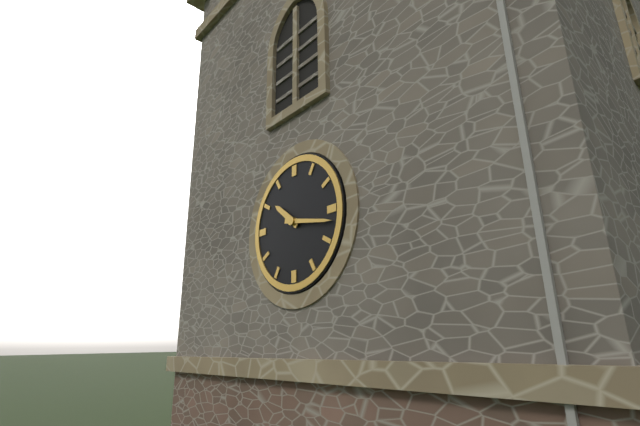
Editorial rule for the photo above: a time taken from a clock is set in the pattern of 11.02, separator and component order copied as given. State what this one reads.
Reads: 10.17
